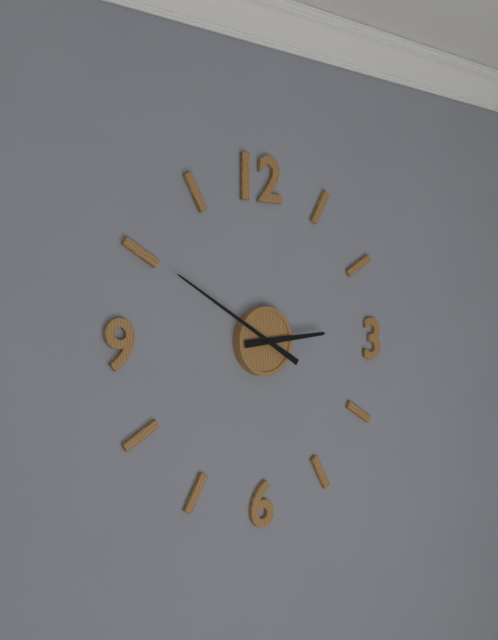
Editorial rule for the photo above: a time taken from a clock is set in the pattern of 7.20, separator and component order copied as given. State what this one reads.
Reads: 2.50
